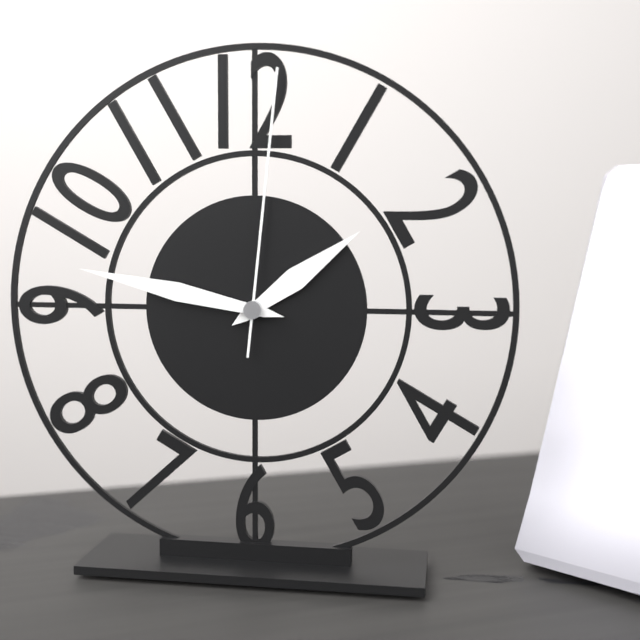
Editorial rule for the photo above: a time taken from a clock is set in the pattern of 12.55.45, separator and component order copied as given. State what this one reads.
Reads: 1.47.01
